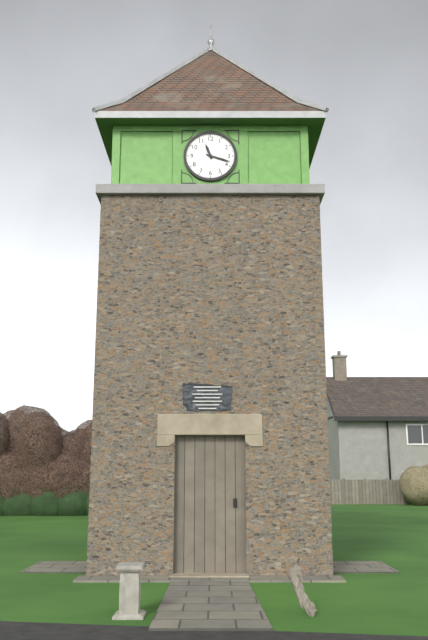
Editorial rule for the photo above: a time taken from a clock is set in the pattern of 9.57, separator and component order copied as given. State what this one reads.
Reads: 11.18
